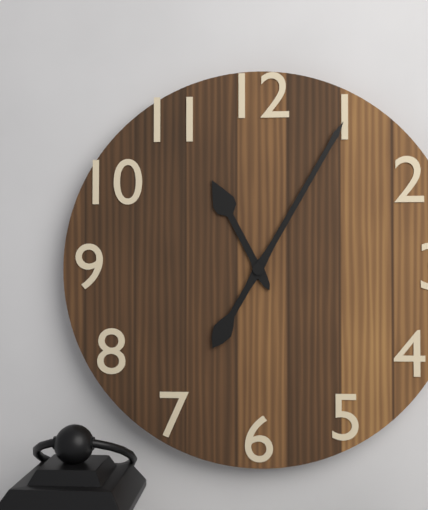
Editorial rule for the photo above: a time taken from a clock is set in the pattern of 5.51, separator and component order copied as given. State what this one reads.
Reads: 11.05
